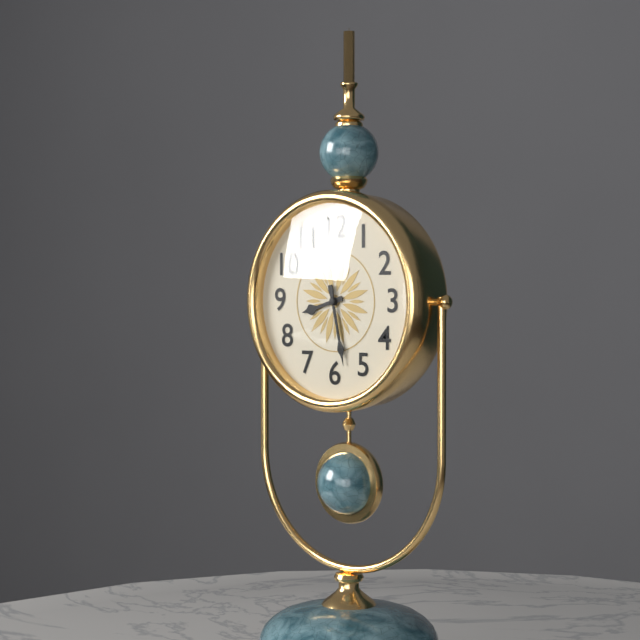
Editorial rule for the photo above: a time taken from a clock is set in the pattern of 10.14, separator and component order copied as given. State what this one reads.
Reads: 8.28
